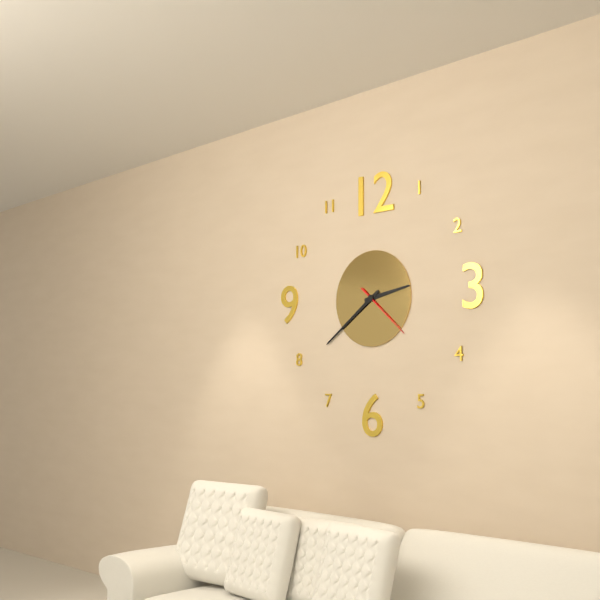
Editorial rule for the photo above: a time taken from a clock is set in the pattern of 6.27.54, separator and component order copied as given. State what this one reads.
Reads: 2.39.22
